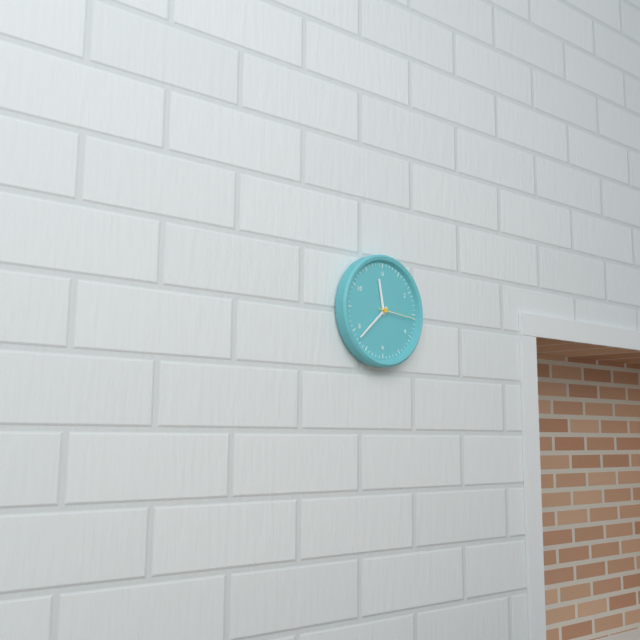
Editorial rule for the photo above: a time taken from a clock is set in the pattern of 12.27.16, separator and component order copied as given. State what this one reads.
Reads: 11.38.16
